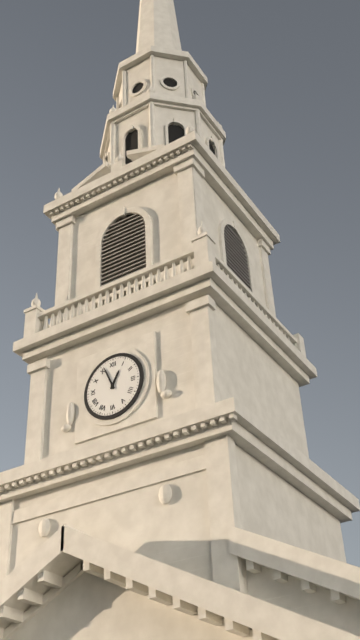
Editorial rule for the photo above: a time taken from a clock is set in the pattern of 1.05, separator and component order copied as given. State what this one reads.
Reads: 12.56
